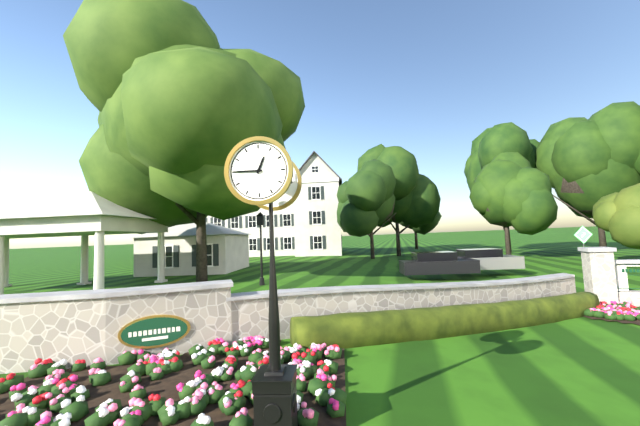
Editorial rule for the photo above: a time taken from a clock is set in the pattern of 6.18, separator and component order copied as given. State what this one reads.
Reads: 12.45
